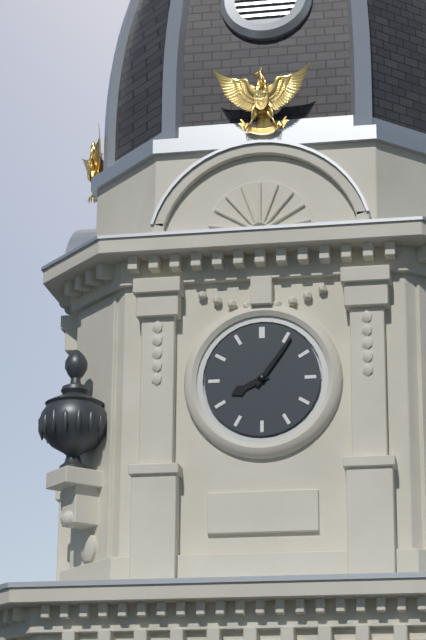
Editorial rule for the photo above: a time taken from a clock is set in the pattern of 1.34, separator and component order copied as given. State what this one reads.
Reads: 8.06
